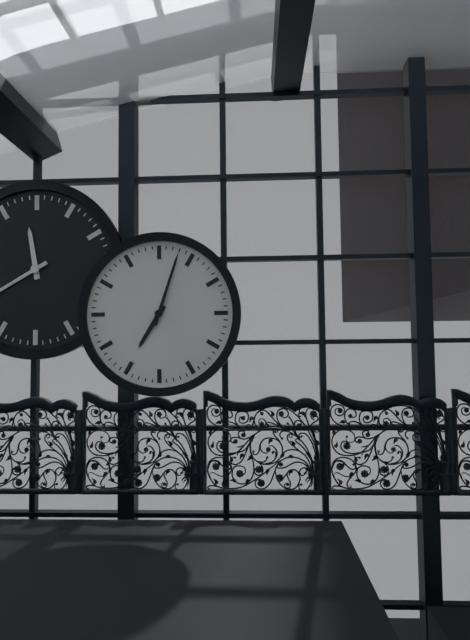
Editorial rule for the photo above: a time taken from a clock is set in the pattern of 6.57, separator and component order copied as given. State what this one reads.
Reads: 7.03
